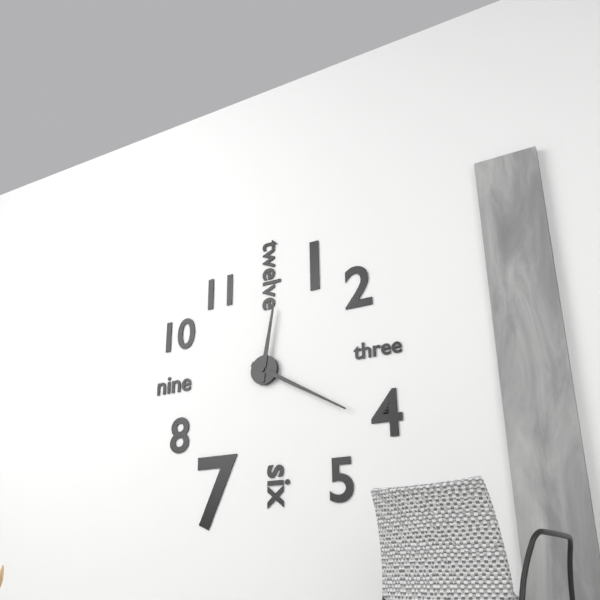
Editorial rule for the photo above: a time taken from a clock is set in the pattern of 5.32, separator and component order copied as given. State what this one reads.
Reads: 12.20
